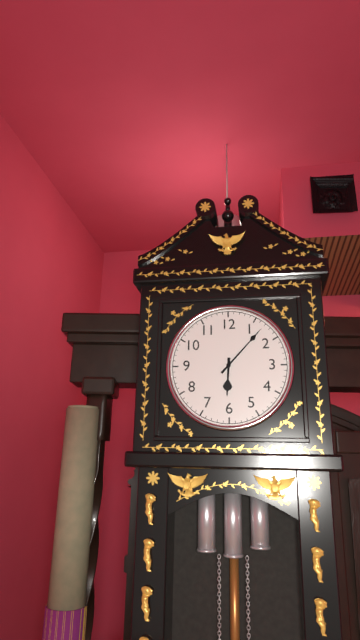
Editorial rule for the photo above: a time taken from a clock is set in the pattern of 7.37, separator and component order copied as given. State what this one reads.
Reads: 6.07
